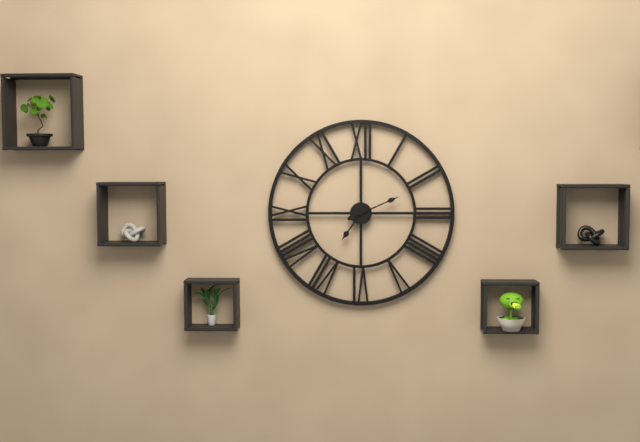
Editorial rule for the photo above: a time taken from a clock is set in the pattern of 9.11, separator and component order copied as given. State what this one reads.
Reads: 7.11
